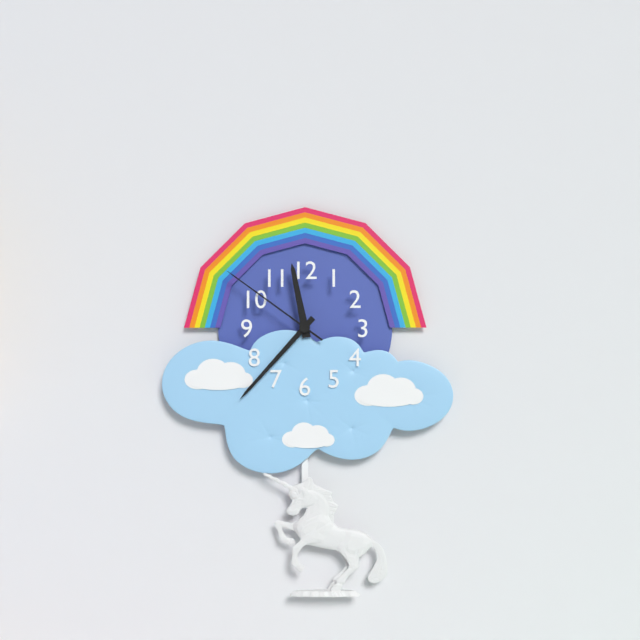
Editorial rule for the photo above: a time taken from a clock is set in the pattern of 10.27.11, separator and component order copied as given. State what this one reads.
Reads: 11.37.51
